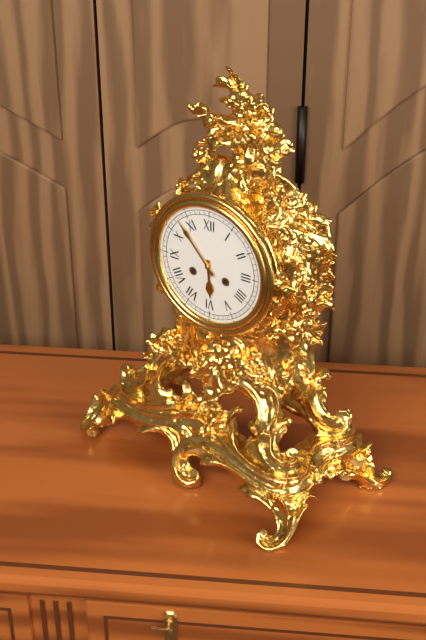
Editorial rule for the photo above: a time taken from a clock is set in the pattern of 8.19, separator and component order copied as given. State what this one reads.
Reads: 5.53
